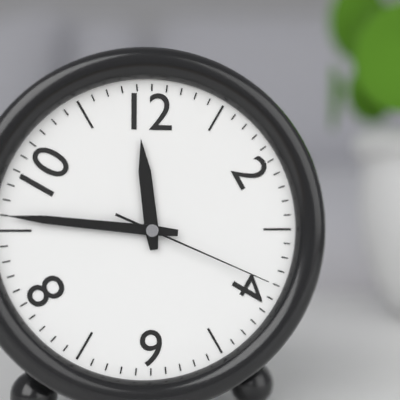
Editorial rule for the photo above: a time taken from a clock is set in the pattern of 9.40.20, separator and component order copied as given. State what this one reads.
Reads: 11.46.19
